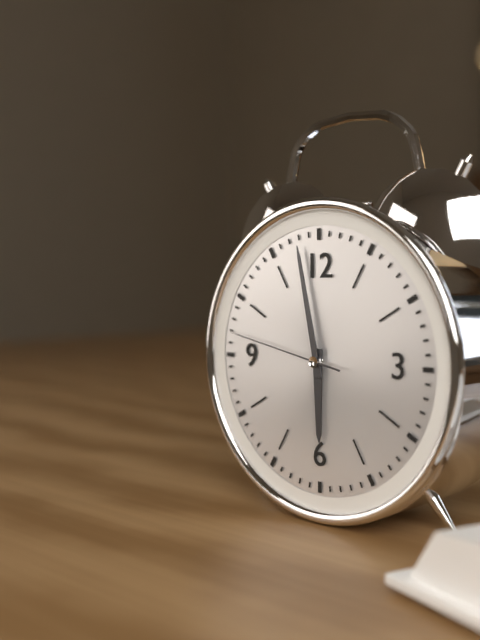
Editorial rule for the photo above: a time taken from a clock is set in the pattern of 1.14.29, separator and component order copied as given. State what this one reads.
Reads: 5.58.47
